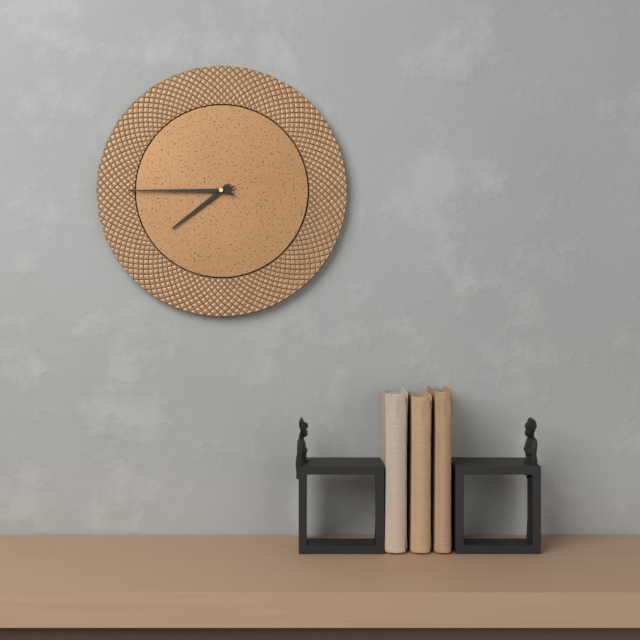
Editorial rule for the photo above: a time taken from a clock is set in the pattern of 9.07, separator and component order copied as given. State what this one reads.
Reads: 7.45
